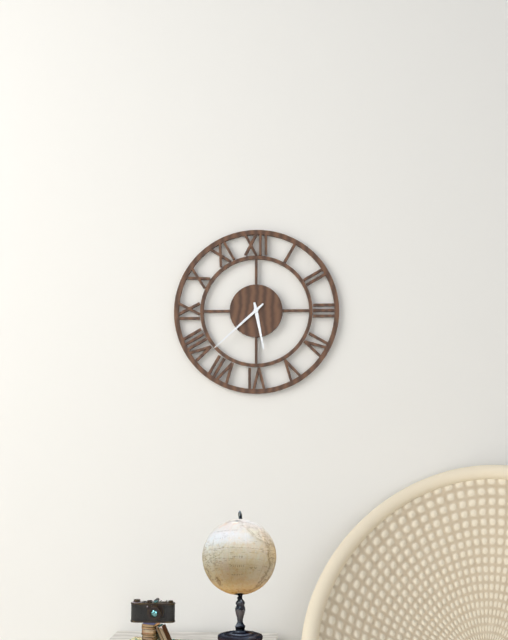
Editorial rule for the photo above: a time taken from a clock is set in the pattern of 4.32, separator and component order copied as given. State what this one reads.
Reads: 5.38
